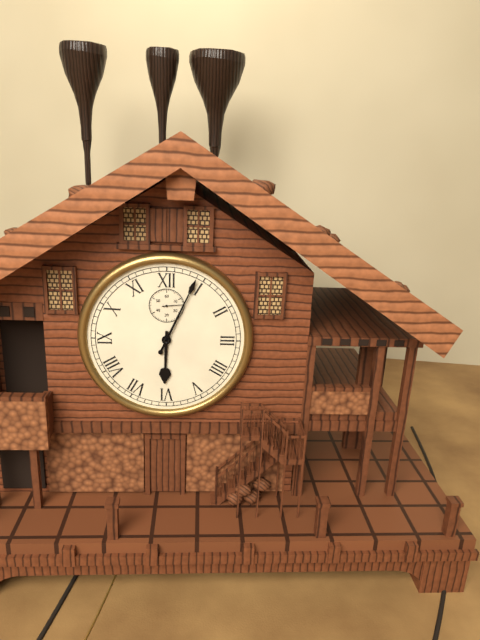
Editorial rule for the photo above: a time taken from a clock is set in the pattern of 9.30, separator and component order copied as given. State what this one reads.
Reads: 6.04
